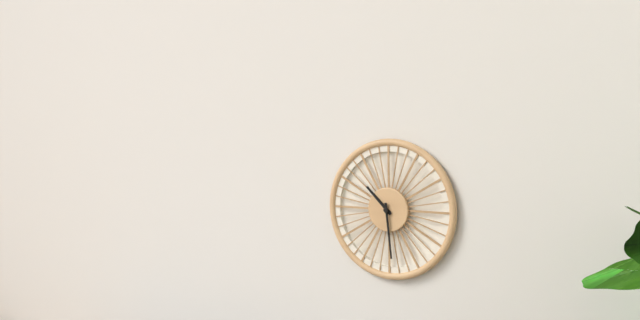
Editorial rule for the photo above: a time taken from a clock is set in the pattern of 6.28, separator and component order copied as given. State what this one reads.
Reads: 10.29
